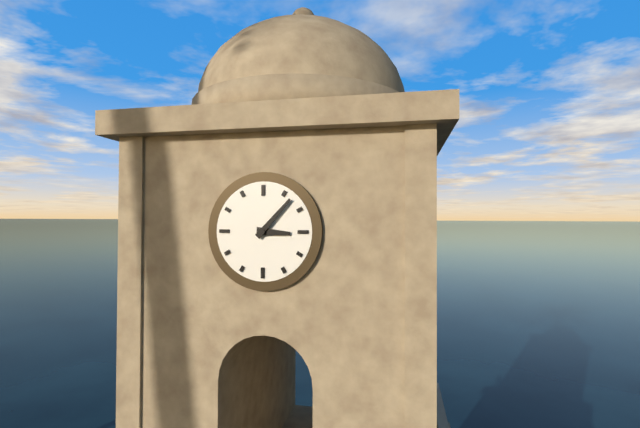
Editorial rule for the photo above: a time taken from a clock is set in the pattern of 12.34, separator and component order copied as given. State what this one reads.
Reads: 3.07
